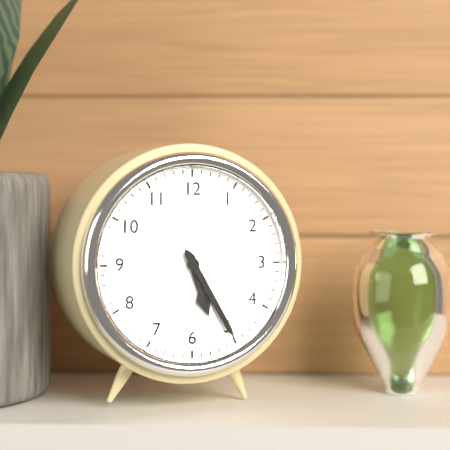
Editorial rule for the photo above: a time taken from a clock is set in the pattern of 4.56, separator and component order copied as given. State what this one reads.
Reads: 5.25
